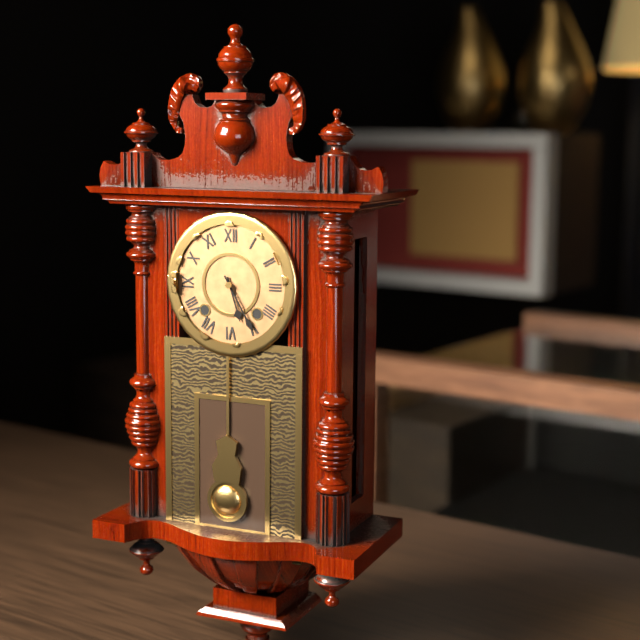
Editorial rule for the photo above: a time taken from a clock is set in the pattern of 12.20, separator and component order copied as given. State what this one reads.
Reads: 5.25
